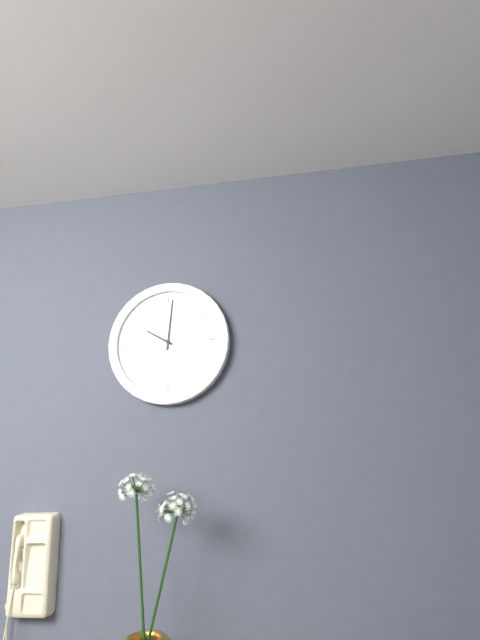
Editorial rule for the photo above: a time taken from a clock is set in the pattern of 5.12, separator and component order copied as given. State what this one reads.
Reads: 10.01
